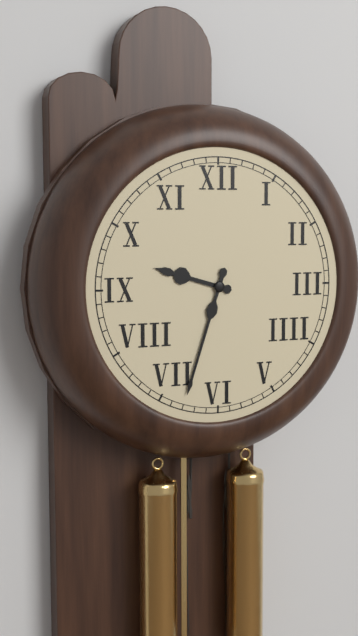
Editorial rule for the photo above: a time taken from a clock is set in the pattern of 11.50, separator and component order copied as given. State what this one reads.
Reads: 9.33
